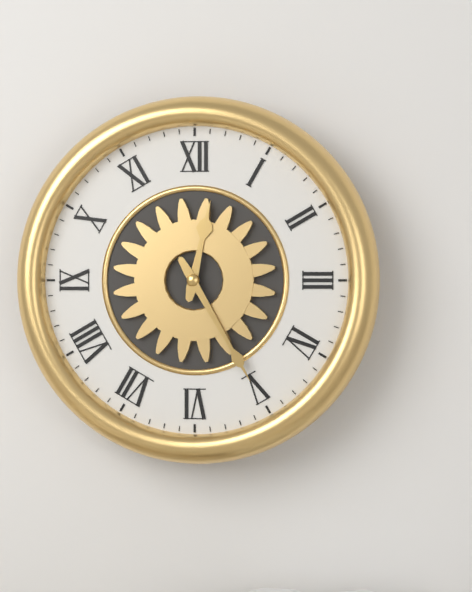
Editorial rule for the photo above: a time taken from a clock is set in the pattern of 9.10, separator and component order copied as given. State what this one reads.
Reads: 12.25
